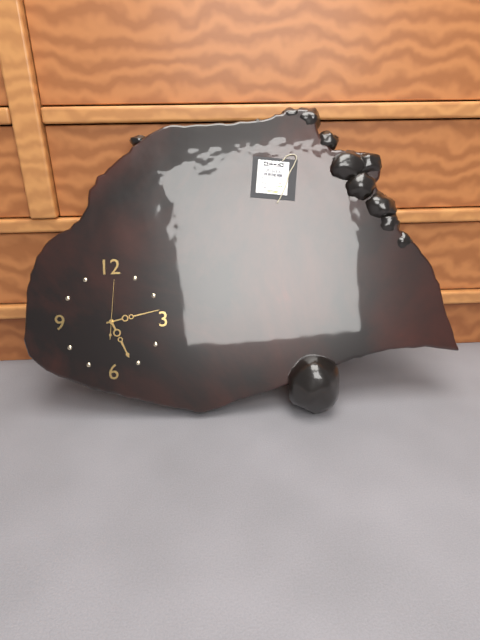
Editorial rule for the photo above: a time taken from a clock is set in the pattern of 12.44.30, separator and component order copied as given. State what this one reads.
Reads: 5.13.01
